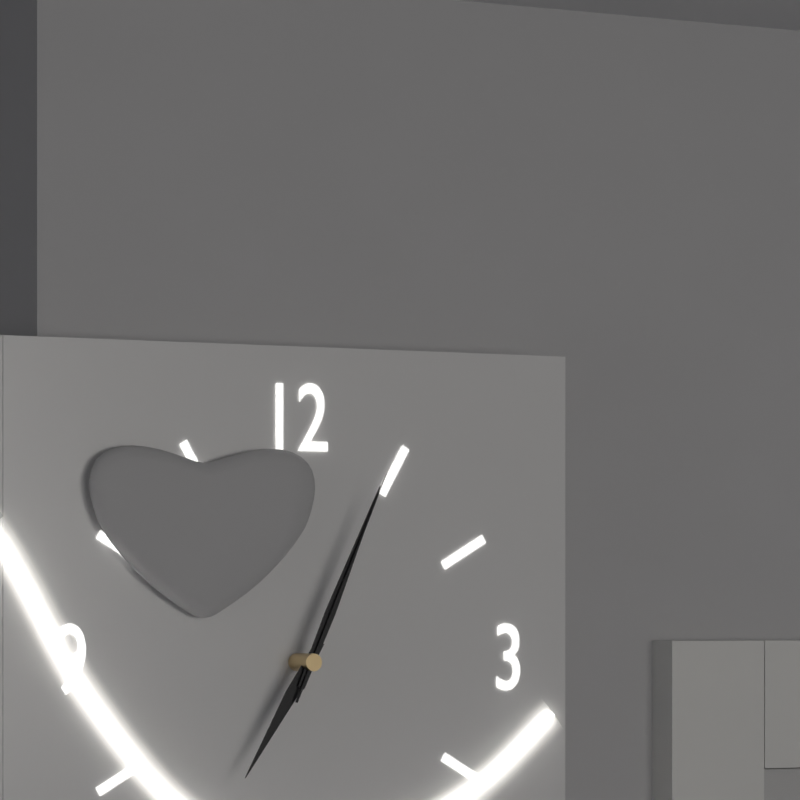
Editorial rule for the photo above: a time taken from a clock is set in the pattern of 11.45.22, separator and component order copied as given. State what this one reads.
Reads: 7.04.04
